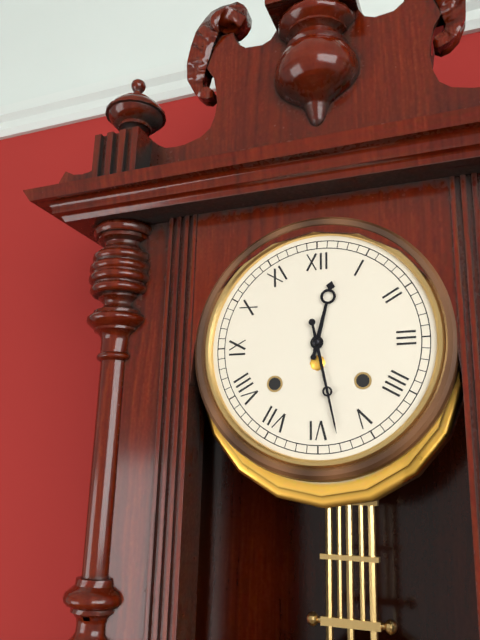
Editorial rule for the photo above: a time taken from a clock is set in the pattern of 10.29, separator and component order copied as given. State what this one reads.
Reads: 12.28
